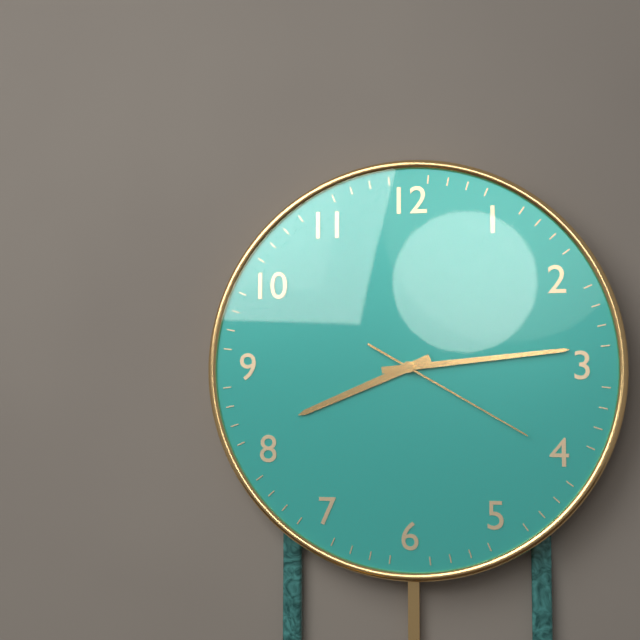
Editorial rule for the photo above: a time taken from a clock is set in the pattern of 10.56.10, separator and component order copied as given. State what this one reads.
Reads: 8.14.20
